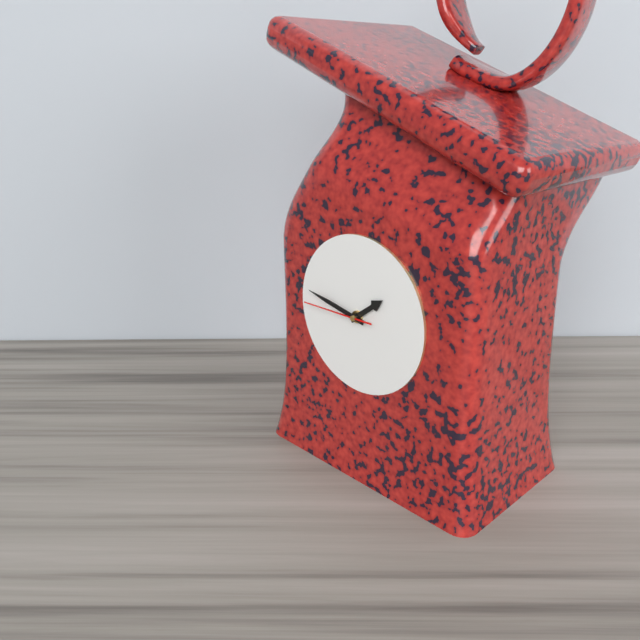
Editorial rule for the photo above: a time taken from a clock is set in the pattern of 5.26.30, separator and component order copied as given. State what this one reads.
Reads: 1.47.45
